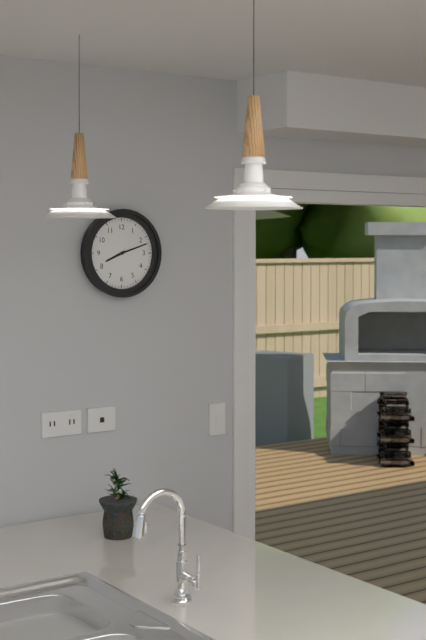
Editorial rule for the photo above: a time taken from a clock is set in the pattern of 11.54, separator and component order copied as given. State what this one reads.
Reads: 8.12
